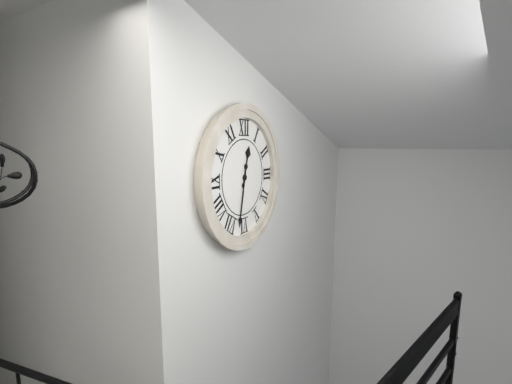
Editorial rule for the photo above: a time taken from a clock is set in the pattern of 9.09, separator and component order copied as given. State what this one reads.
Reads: 12.32
